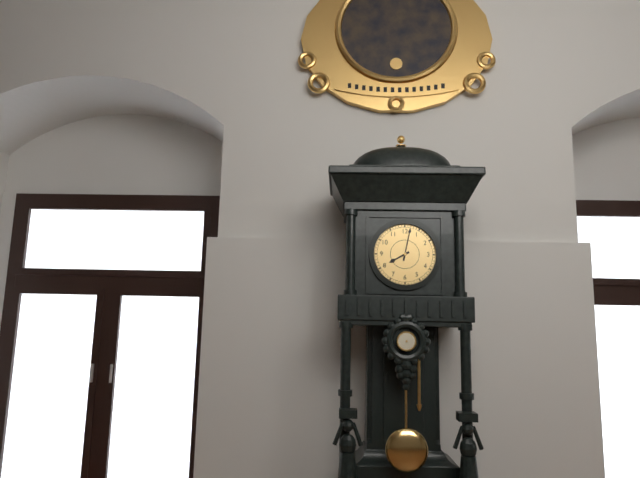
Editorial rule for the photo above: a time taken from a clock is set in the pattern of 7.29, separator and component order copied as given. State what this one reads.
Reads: 8.02
